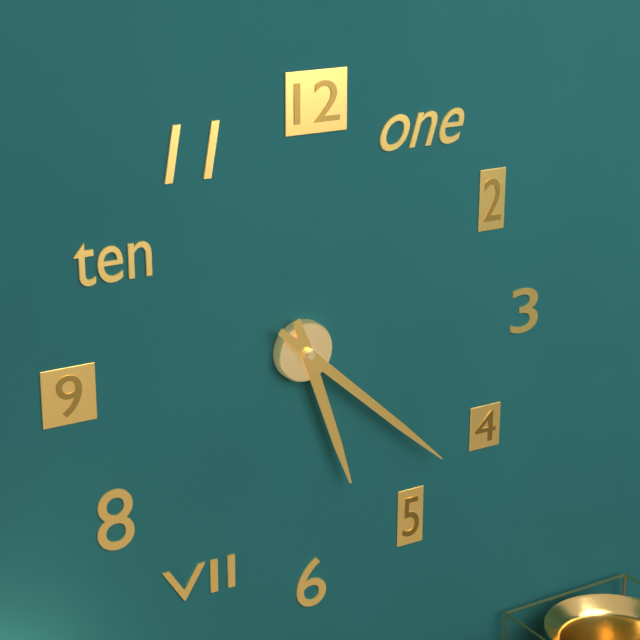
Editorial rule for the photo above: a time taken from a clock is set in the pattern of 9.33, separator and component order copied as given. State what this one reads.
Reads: 5.22
